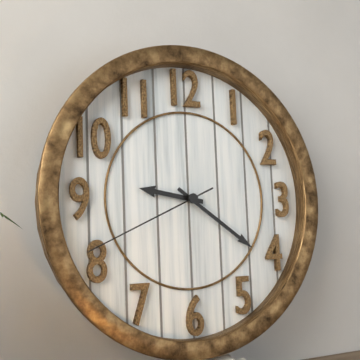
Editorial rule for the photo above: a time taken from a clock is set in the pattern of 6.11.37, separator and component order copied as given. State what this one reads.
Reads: 9.21.41
